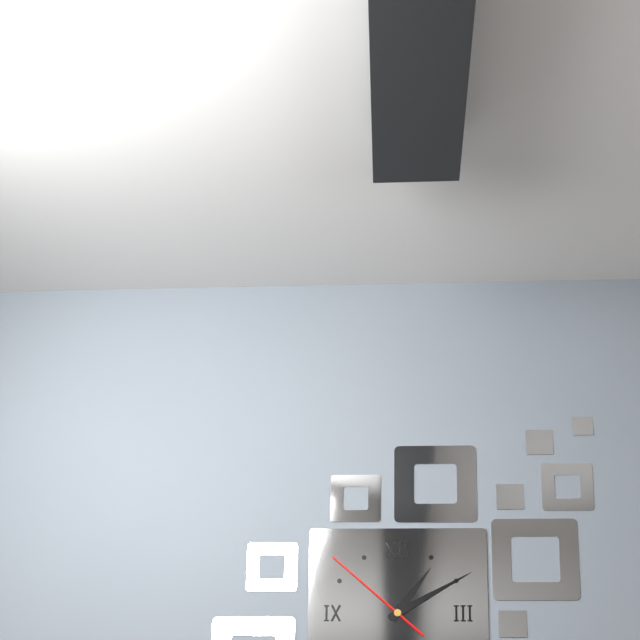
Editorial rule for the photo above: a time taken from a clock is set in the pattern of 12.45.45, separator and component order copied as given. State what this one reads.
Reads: 1.10.52
